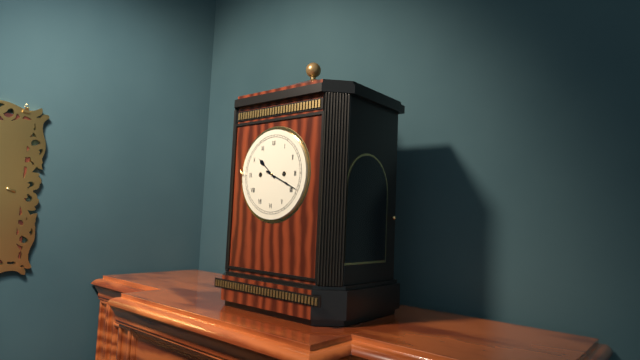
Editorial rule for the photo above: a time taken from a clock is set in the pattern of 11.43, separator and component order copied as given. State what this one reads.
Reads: 10.19
